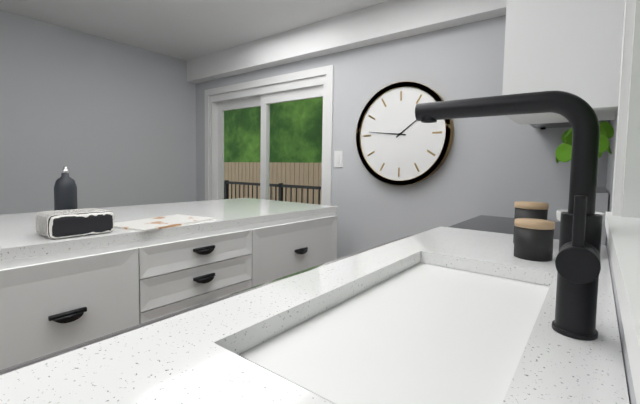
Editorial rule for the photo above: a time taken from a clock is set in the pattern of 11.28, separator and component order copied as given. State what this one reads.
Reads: 1.46
